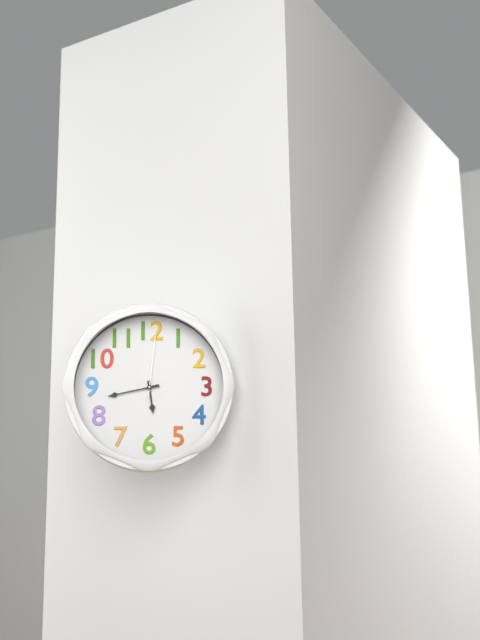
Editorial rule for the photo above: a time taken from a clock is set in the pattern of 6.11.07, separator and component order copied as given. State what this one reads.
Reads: 5.43.01
